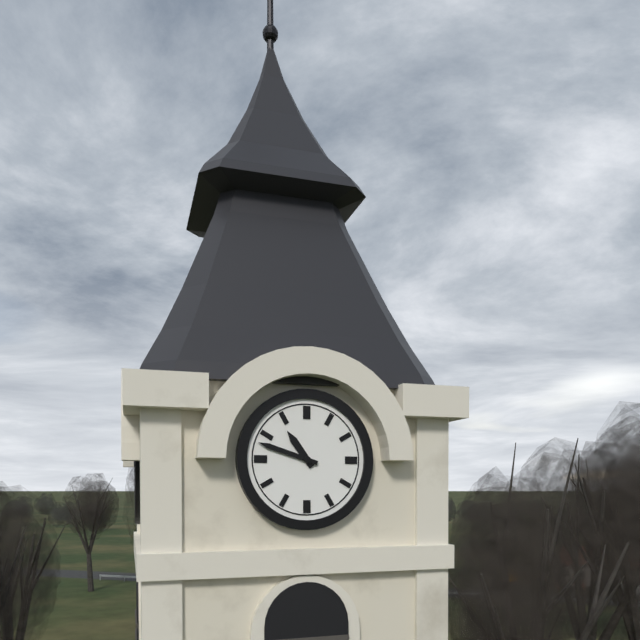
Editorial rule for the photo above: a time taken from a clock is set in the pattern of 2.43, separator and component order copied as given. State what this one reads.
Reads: 10.48
